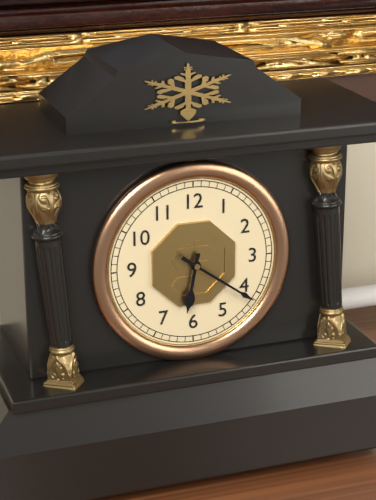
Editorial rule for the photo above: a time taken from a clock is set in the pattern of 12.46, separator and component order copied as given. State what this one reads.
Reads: 6.21
